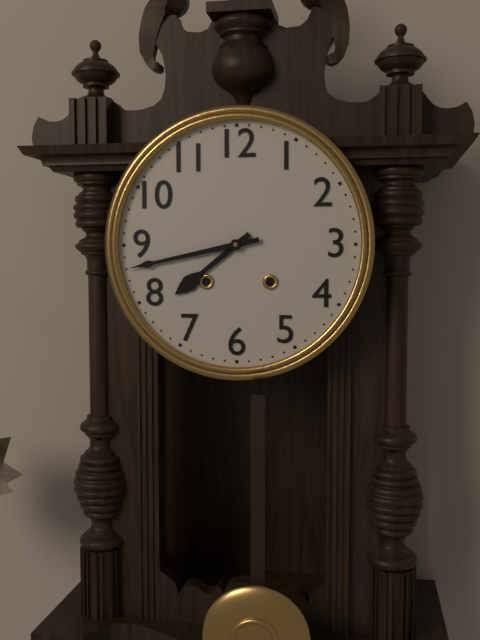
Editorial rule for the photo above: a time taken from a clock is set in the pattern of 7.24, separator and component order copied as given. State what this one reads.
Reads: 7.43
